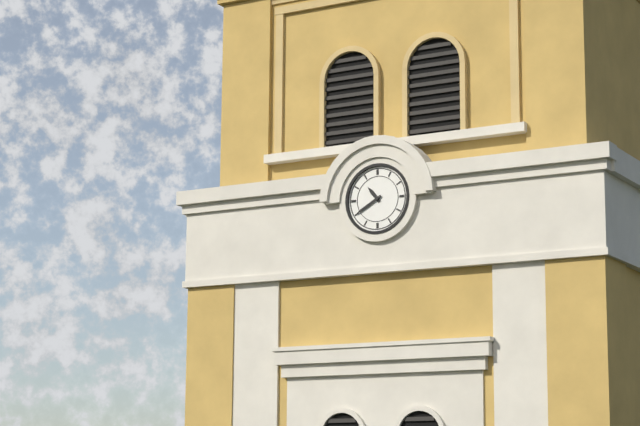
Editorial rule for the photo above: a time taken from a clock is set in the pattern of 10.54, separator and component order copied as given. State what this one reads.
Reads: 10.40
